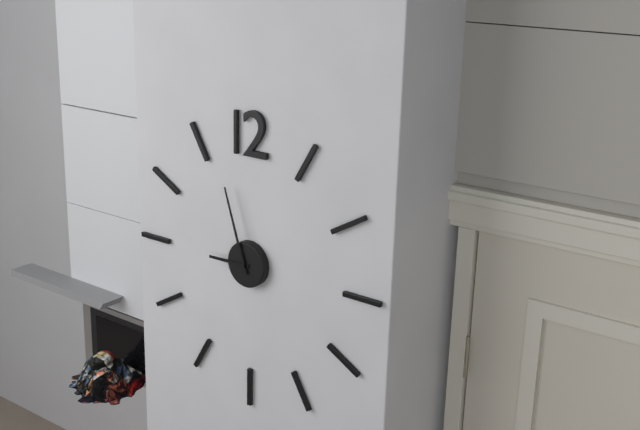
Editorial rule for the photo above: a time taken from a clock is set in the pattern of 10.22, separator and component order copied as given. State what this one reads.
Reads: 8.57
